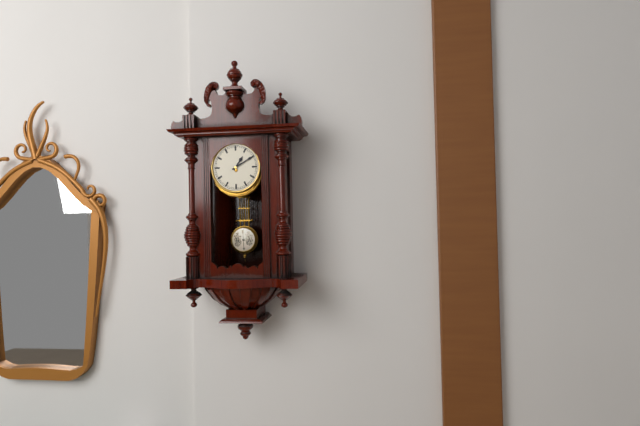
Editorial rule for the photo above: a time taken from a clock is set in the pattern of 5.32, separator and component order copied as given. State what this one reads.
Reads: 1.10
